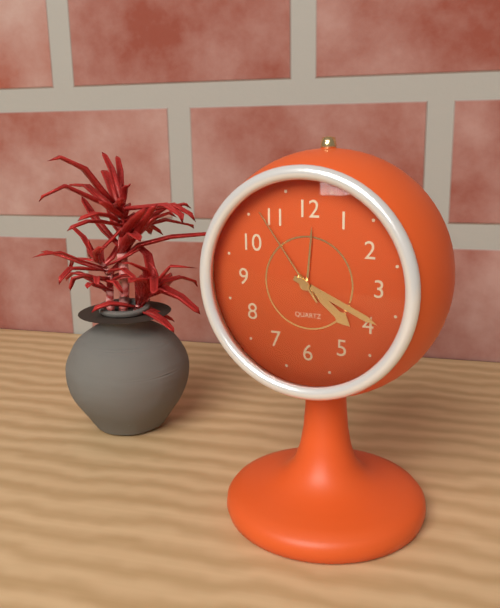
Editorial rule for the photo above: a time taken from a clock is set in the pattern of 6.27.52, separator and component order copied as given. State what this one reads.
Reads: 4.19.54
